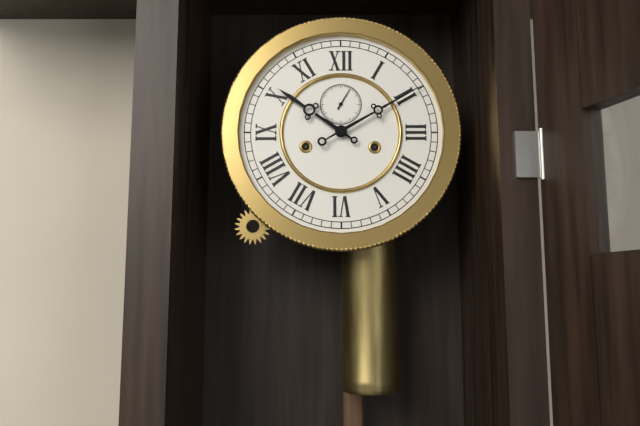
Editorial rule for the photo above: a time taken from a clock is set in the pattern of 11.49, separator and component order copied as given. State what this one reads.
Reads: 10.10
